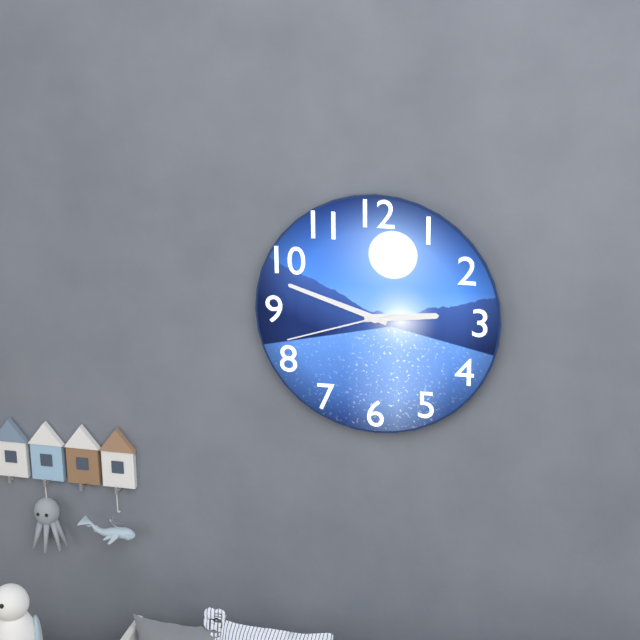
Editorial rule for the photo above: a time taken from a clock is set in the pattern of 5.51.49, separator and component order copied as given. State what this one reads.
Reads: 2.48.42
